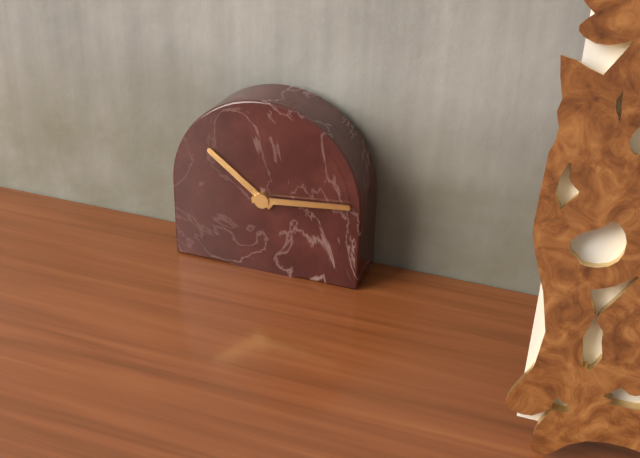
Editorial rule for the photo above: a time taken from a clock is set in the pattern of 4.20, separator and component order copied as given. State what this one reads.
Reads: 10.14
